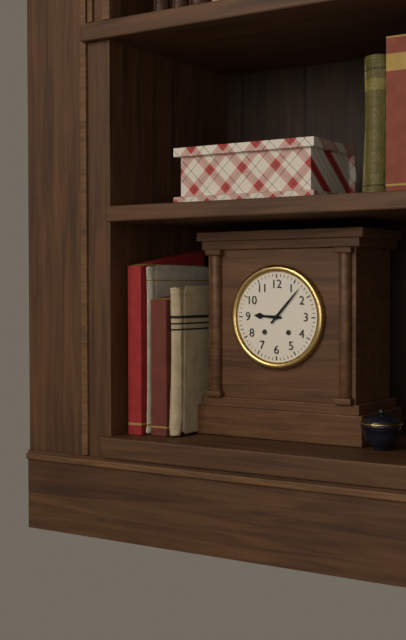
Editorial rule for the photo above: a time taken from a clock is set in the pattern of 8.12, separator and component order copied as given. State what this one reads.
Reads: 9.07
